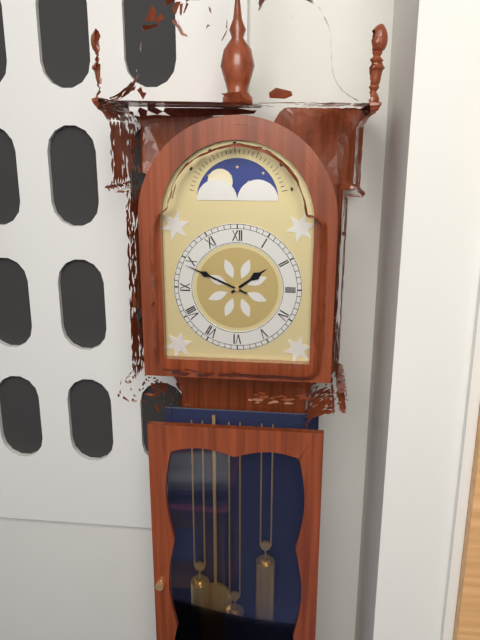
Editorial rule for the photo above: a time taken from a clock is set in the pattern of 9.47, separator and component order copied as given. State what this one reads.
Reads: 1.49
